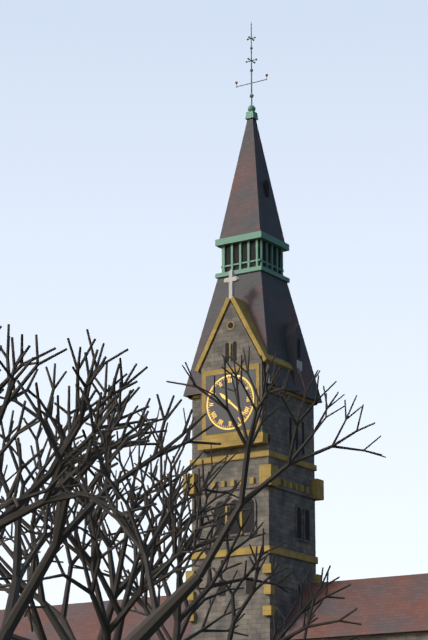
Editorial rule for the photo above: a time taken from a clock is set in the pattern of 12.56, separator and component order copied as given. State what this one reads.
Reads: 10.22
